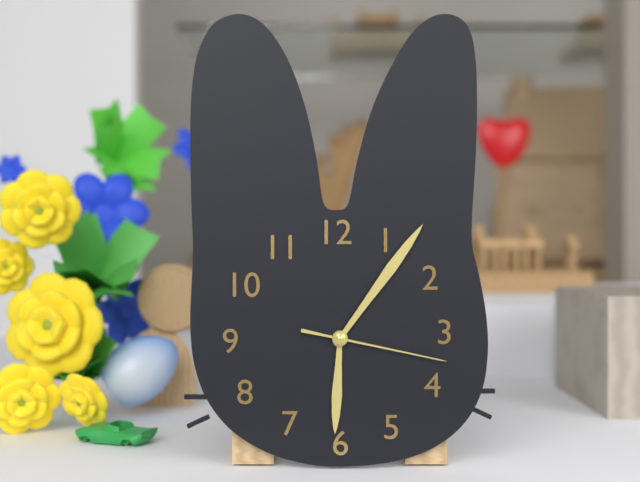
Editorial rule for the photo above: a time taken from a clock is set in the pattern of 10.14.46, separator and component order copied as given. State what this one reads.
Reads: 6.06.17
